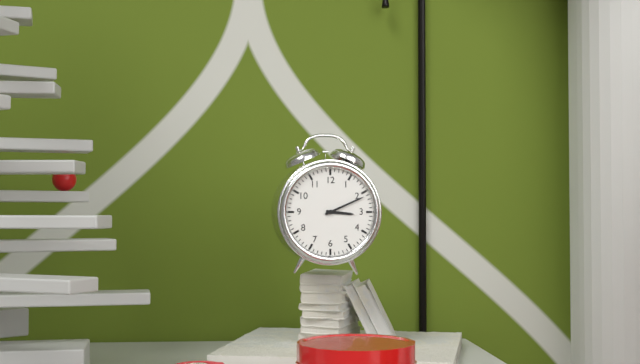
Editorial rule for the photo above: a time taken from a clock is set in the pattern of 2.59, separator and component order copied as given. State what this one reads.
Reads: 3.11
